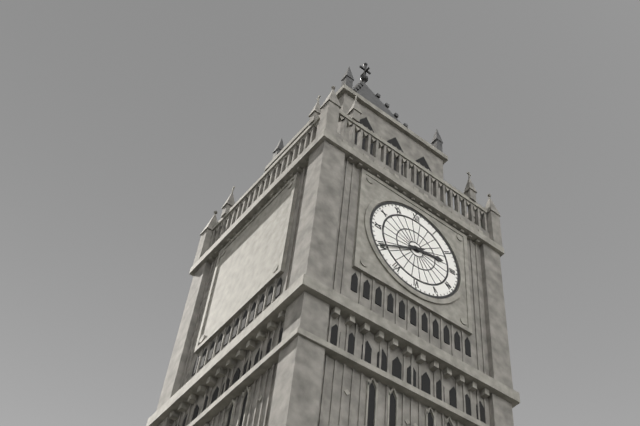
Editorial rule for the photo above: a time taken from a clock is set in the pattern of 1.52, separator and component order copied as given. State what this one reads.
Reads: 2.40
